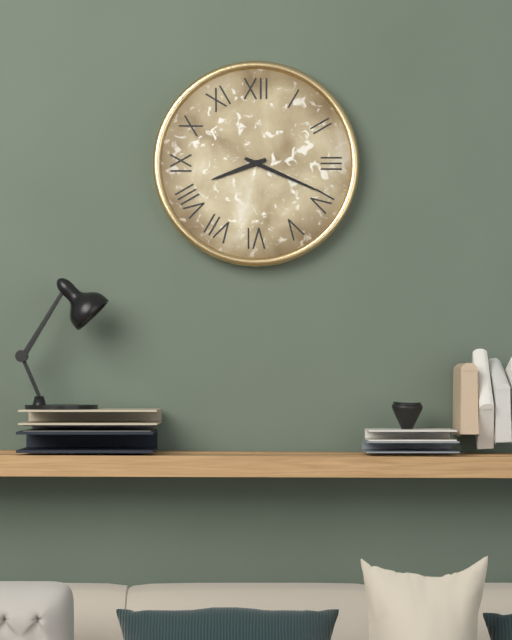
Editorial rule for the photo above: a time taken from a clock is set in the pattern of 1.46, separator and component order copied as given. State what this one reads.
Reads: 8.19
